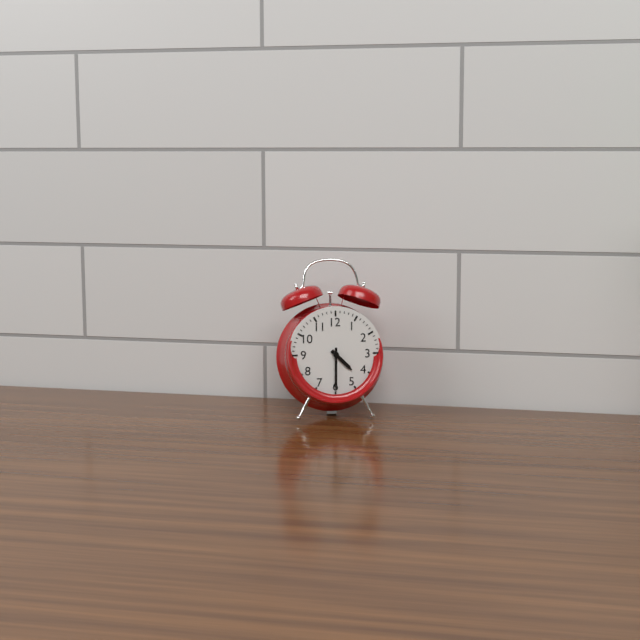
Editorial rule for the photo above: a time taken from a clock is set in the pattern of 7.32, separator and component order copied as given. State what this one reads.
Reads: 4.30
